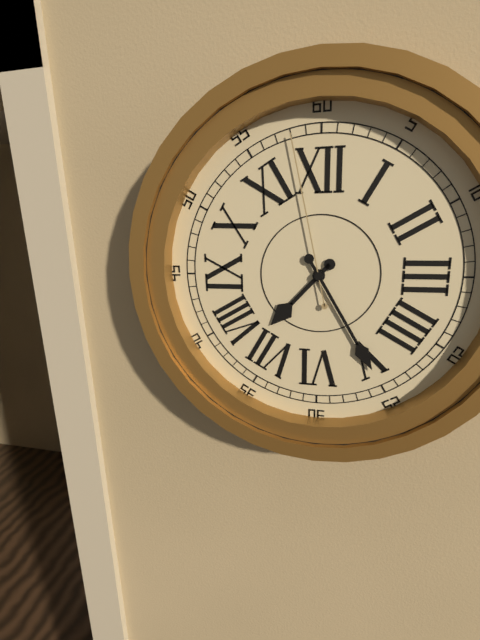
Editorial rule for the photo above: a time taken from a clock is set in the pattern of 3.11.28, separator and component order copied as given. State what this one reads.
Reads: 7.25.58
